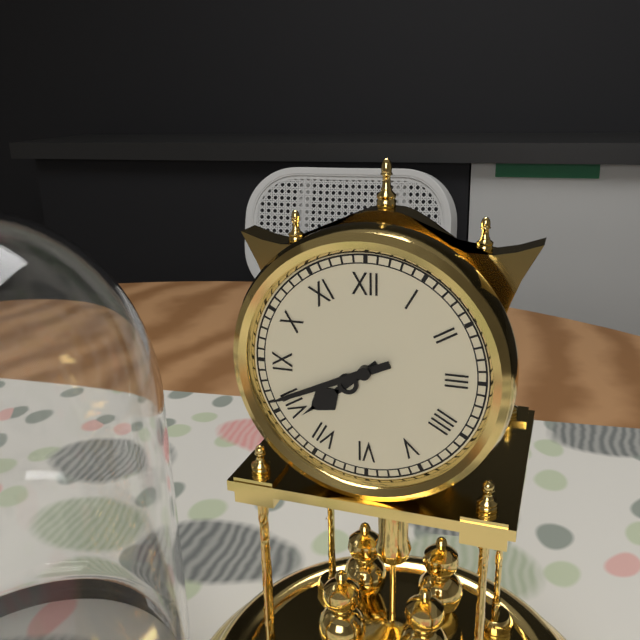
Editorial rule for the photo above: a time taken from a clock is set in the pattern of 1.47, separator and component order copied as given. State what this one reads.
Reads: 7.41
